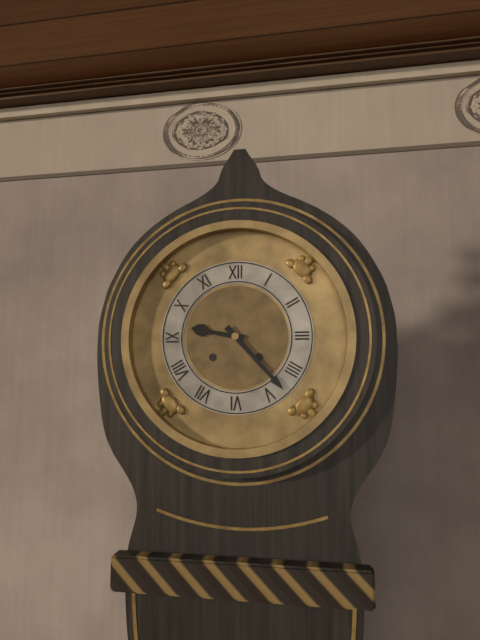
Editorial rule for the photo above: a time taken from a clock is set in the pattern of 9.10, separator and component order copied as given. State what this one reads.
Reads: 9.23
